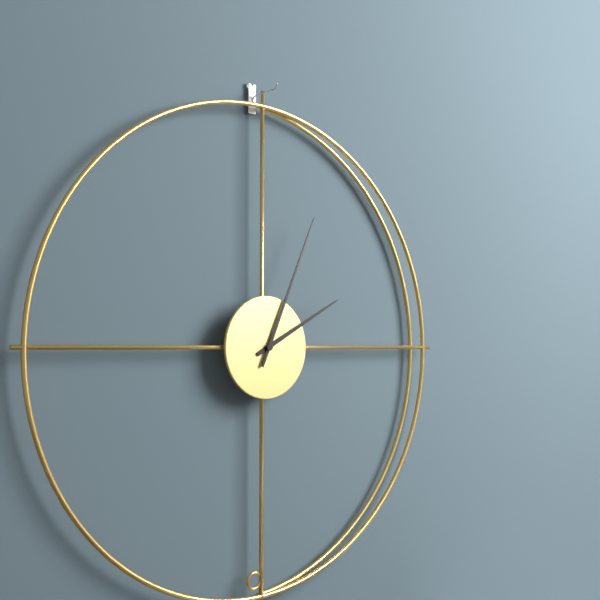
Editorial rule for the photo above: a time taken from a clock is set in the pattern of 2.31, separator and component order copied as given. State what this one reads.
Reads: 2.04
